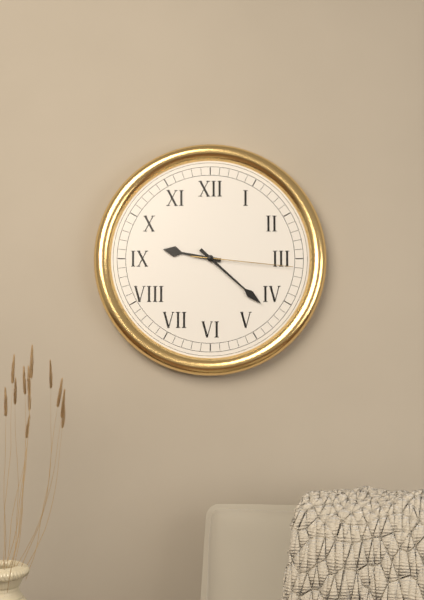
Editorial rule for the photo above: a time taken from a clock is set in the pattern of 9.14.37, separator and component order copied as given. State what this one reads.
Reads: 9.22.16
